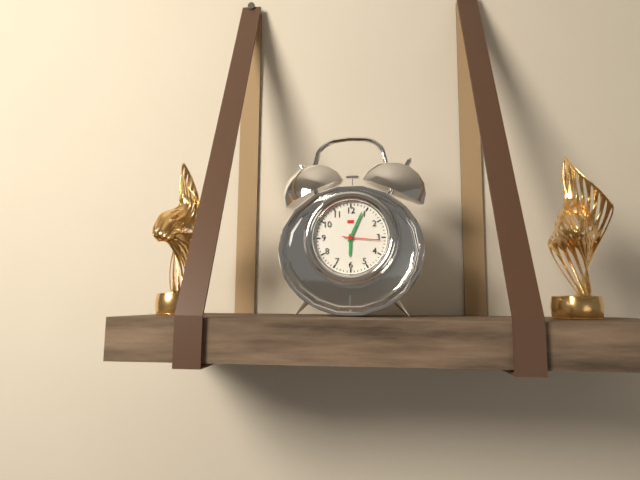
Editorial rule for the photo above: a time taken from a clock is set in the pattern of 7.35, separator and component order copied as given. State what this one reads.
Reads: 6.04
